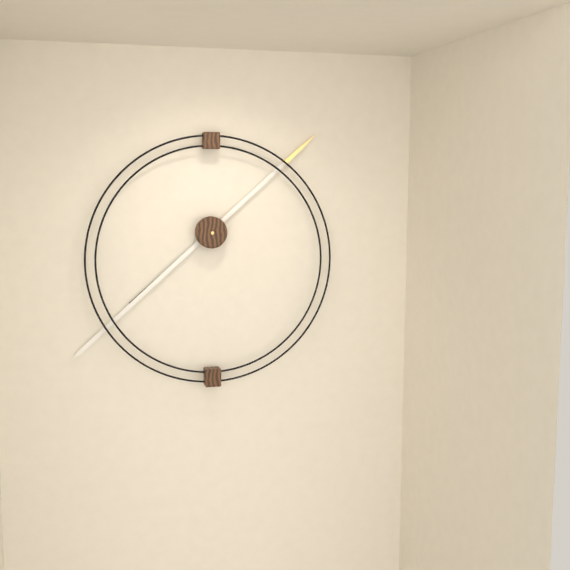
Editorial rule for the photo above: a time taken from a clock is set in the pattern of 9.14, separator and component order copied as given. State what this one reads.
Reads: 7.38
